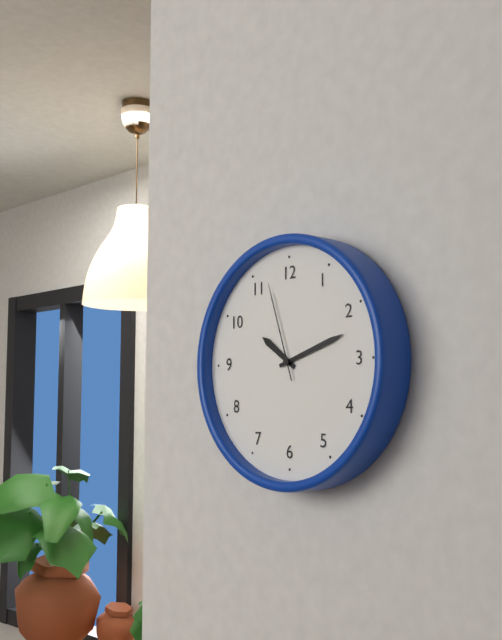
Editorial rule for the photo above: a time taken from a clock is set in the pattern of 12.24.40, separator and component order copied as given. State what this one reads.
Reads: 10.12.57
